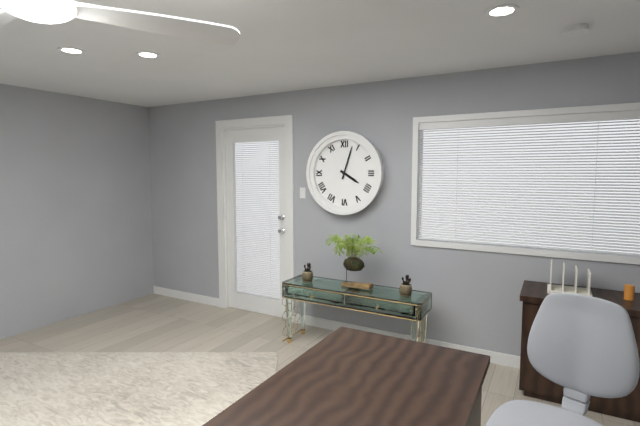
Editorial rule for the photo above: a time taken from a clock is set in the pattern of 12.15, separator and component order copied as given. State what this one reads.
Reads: 4.03
